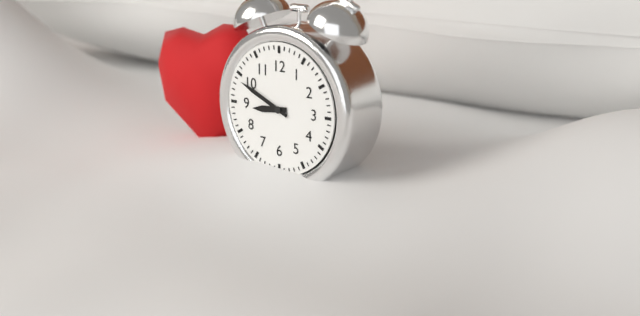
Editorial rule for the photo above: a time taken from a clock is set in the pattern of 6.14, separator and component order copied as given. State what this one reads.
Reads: 8.49
